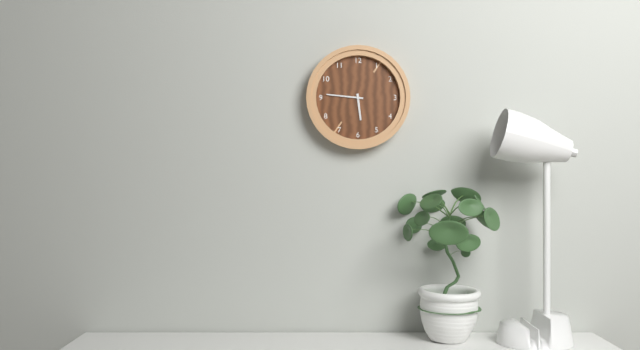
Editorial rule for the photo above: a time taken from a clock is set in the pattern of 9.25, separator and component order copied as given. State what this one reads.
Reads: 5.46
